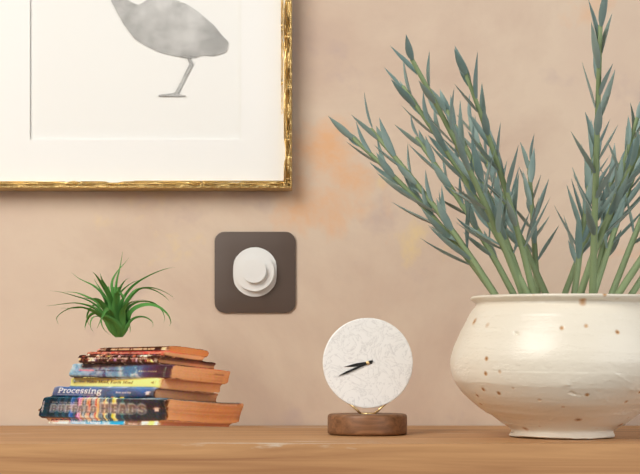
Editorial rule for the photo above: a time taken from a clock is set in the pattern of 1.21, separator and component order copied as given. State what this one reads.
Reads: 8.41
